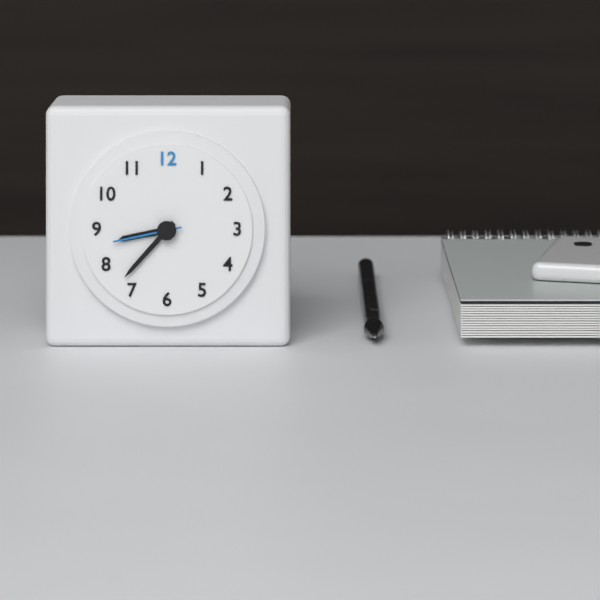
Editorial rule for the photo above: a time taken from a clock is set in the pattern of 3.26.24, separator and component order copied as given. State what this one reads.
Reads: 8.37.43
